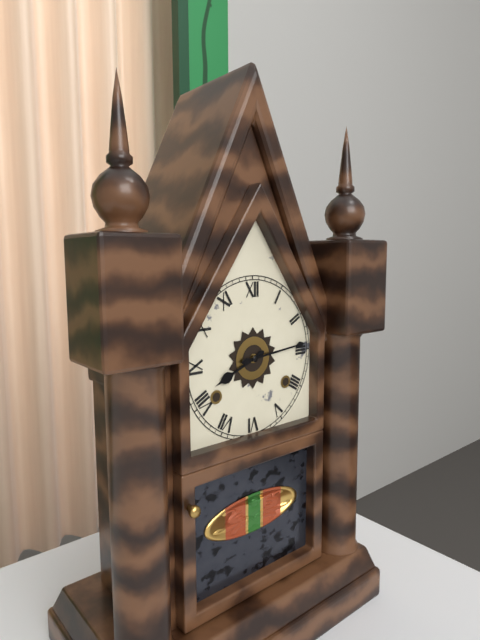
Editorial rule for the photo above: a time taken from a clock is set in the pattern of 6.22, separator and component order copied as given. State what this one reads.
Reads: 8.14
